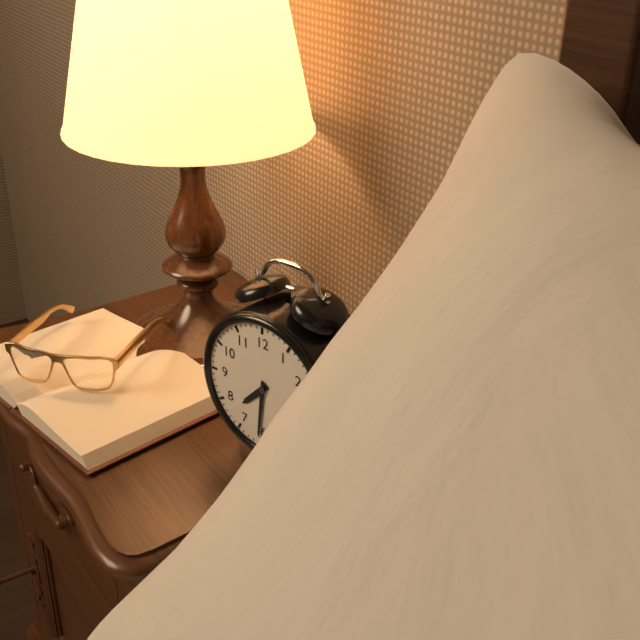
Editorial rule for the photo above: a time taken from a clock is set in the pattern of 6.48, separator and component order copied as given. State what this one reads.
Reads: 7.31
